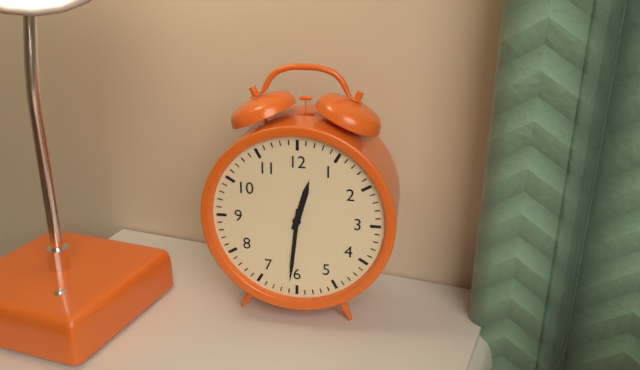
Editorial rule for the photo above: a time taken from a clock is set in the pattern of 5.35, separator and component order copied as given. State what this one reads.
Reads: 12.31
